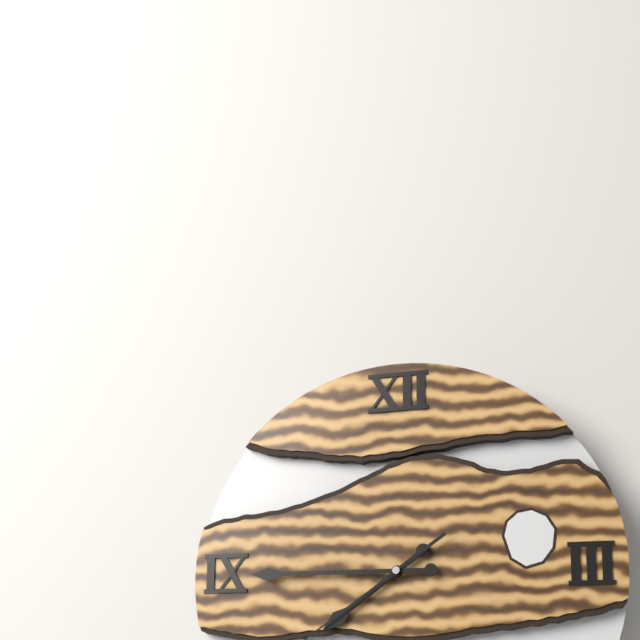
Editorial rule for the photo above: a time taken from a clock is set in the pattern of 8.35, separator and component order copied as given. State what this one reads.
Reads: 7.45
